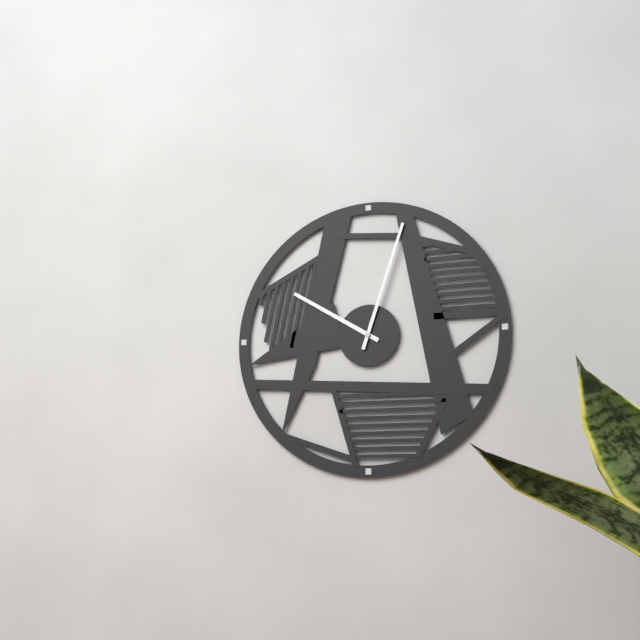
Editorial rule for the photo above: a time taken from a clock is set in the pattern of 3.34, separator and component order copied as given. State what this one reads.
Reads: 10.03
